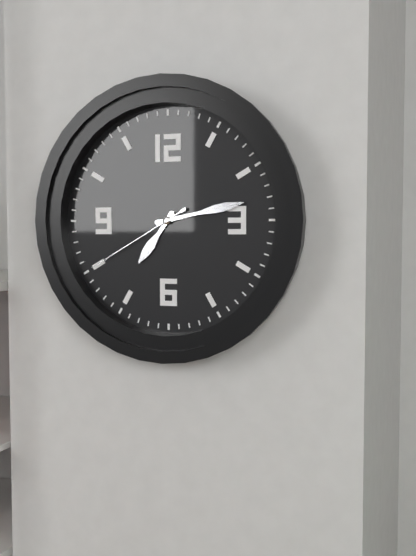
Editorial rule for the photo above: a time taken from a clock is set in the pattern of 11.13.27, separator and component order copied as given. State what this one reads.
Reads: 7.13.40
